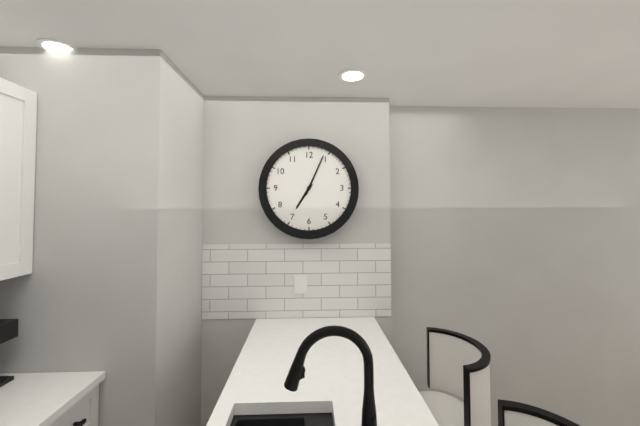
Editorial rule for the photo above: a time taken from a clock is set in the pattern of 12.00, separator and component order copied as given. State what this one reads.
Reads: 7.04
